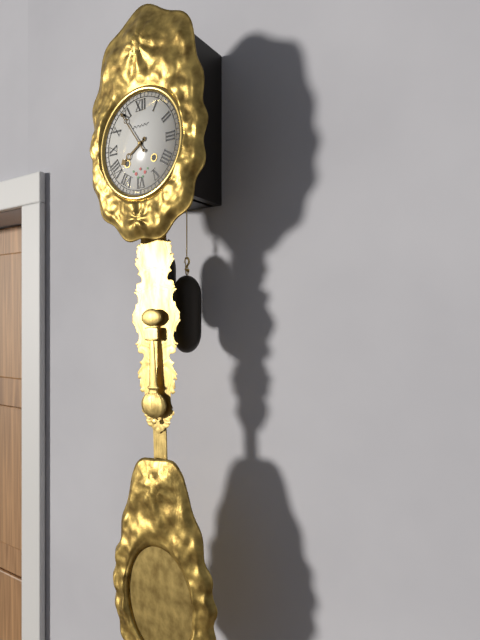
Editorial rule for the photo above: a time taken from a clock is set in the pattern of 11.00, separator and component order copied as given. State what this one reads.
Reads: 7.54
